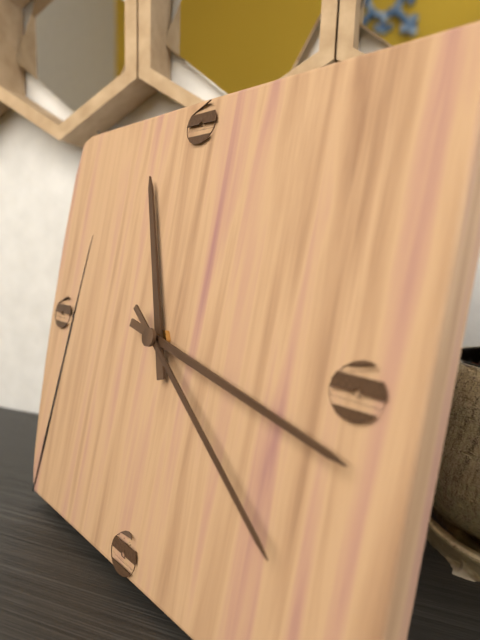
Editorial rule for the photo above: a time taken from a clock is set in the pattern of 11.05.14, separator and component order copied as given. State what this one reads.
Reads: 11.17.21
